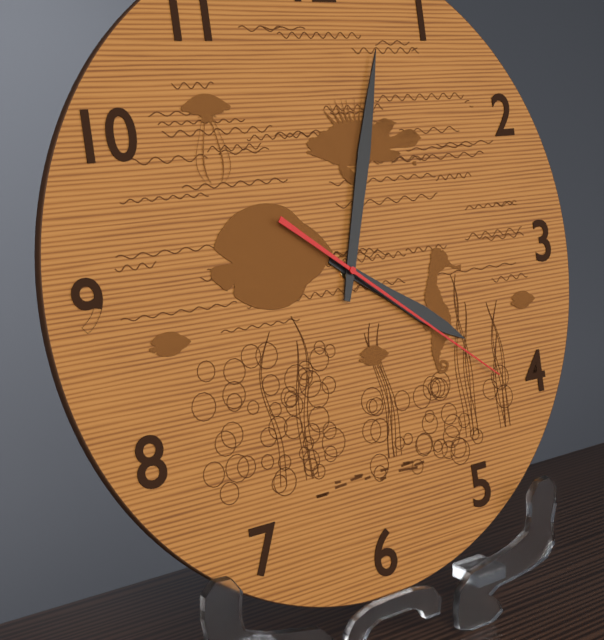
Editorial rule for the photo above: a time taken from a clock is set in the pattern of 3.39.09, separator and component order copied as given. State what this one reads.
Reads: 4.03.21
